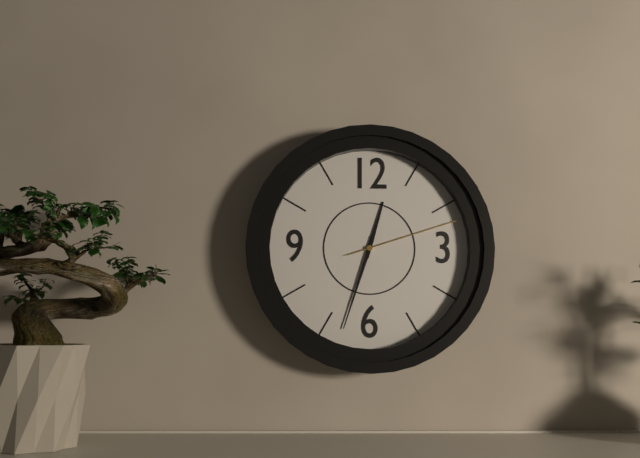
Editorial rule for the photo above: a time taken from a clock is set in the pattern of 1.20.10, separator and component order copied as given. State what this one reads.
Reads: 12.33.12
